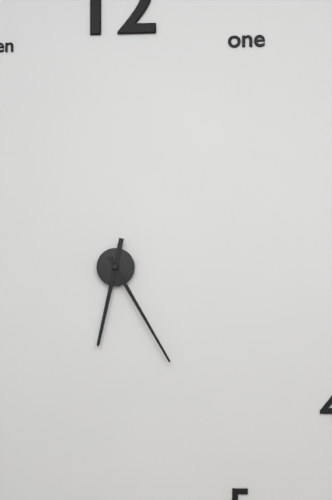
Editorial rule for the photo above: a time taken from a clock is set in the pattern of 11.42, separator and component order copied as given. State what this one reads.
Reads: 6.25
